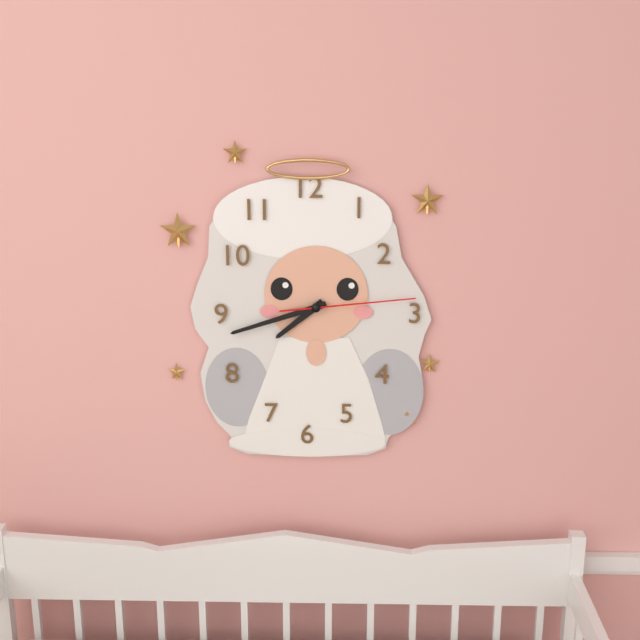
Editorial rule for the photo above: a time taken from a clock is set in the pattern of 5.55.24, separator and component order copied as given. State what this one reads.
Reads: 7.42.14
